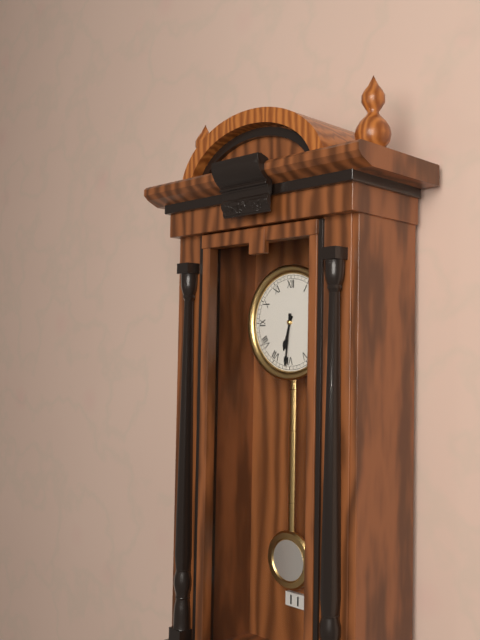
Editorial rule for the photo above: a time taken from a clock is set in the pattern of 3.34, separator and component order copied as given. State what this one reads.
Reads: 6.31
